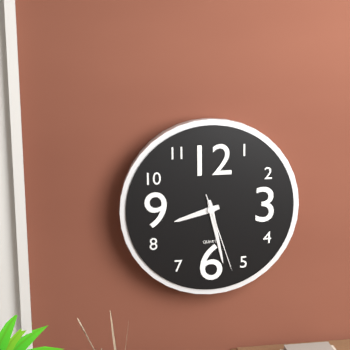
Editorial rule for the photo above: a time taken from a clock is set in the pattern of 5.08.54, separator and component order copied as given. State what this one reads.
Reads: 8.28.27
